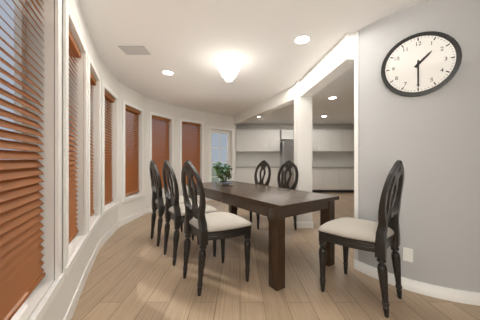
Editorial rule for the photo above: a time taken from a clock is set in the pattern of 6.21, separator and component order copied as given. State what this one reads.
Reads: 1.30
